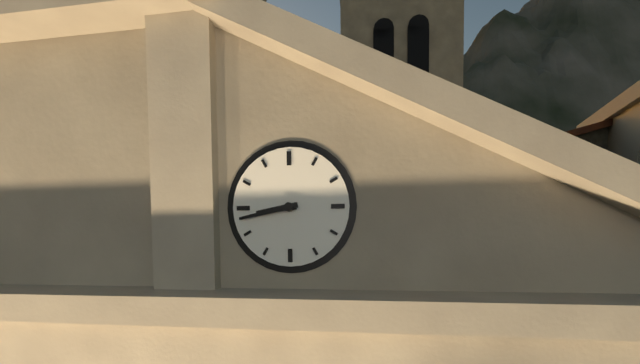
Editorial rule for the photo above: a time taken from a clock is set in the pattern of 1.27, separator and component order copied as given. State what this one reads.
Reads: 8.43
